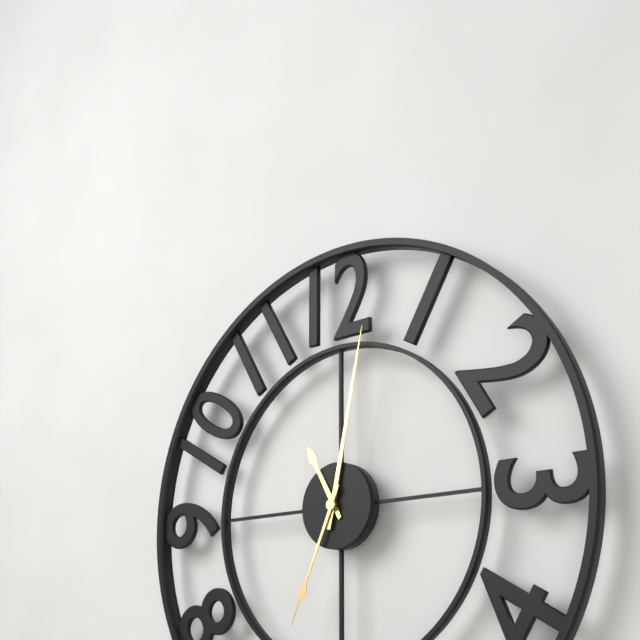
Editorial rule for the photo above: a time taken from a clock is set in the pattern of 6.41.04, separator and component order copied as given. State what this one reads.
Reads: 11.02.34
